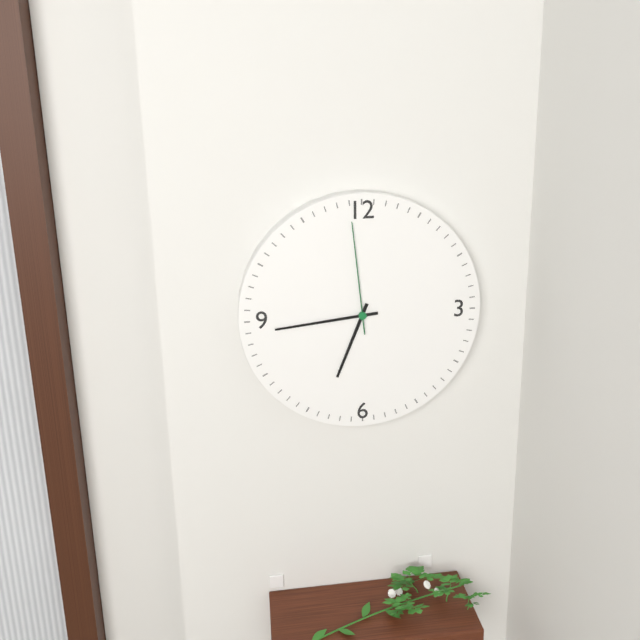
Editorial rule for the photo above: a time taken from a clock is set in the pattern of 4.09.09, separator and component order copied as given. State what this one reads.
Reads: 6.44.59
